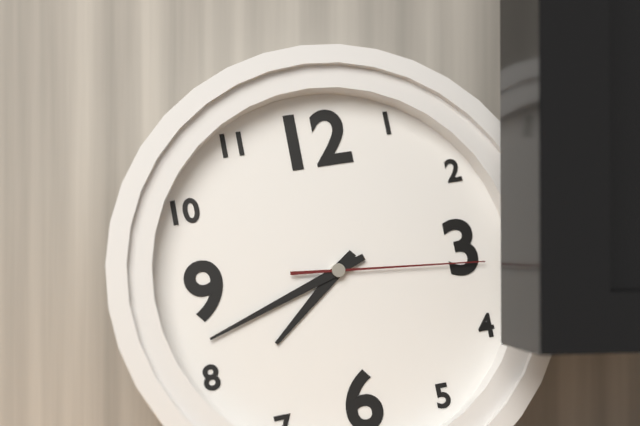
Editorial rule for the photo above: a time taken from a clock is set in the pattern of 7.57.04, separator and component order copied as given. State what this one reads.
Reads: 7.42.16
